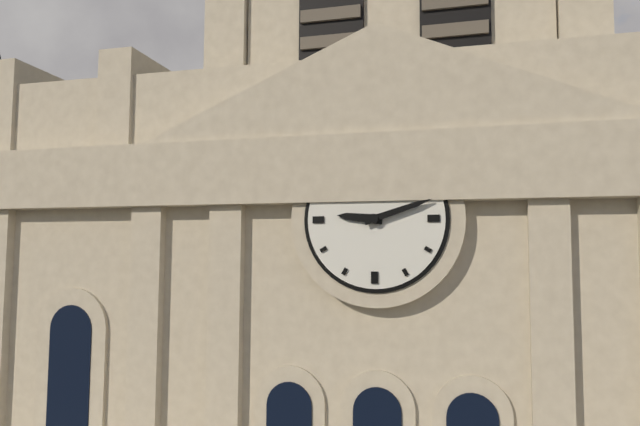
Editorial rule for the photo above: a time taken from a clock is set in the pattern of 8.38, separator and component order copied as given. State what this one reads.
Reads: 9.12
